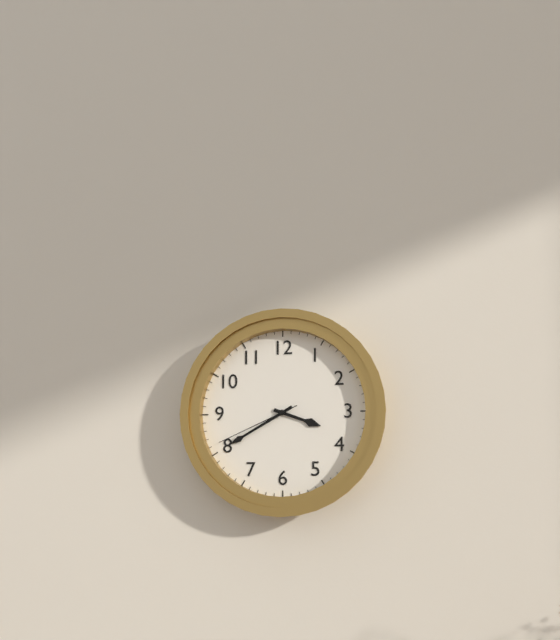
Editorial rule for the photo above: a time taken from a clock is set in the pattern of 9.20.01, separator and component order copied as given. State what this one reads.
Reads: 3.40.41
